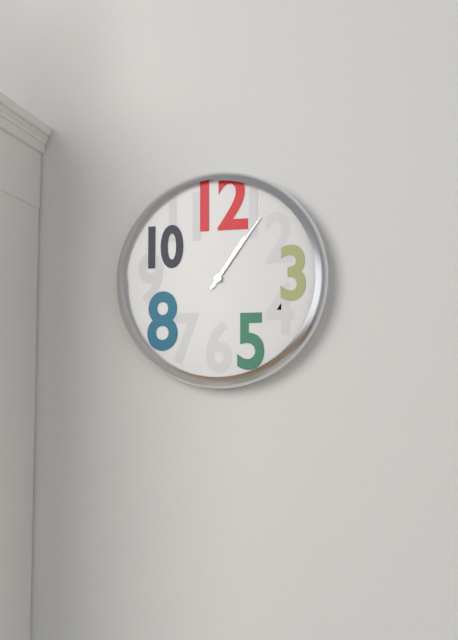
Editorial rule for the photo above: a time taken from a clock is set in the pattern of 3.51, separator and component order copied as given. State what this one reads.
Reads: 1.06
